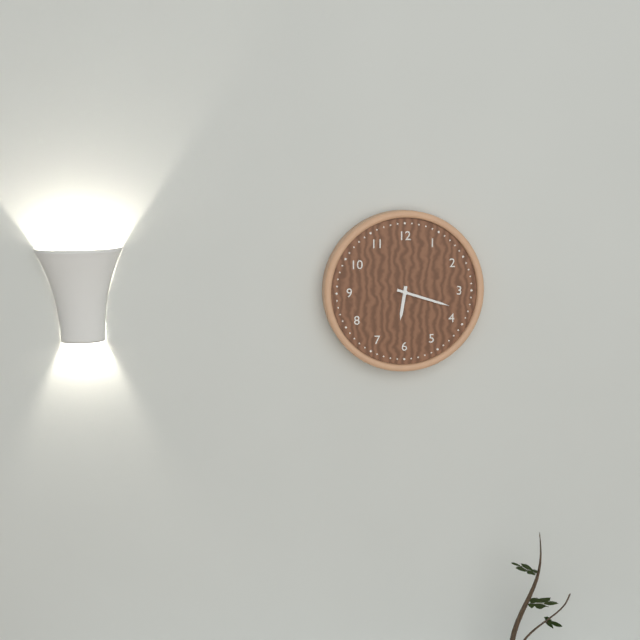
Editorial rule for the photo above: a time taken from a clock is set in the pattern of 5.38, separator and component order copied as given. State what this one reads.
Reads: 6.18
